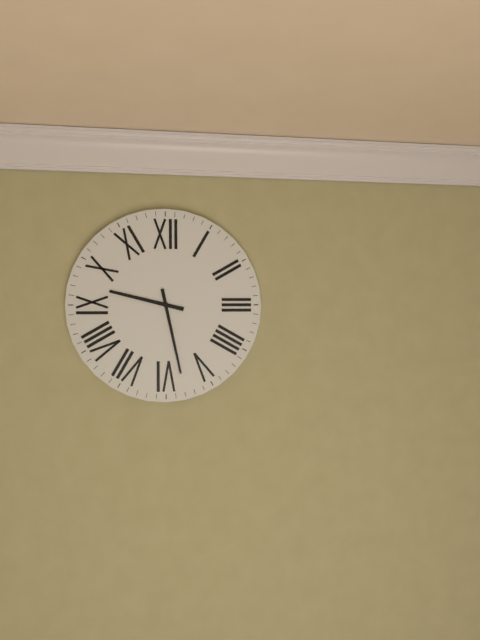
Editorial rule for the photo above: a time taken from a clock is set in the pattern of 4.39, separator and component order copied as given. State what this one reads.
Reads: 9.28
